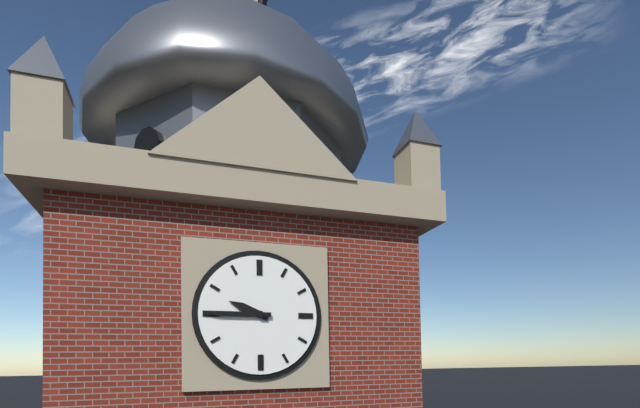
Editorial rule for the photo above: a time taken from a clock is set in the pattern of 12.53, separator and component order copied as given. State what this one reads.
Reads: 9.45
